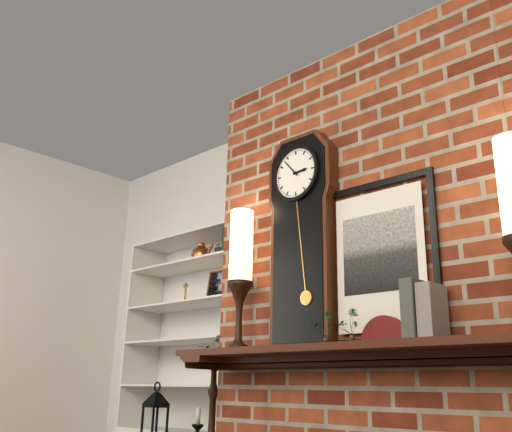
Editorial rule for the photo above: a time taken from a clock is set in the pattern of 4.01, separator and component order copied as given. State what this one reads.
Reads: 2.53
